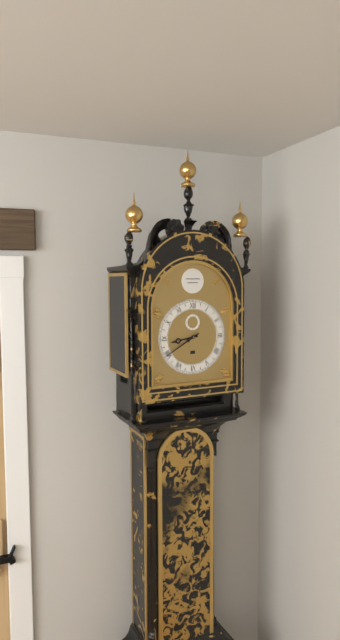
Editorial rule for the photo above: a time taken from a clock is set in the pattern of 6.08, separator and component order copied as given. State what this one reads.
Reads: 8.40
